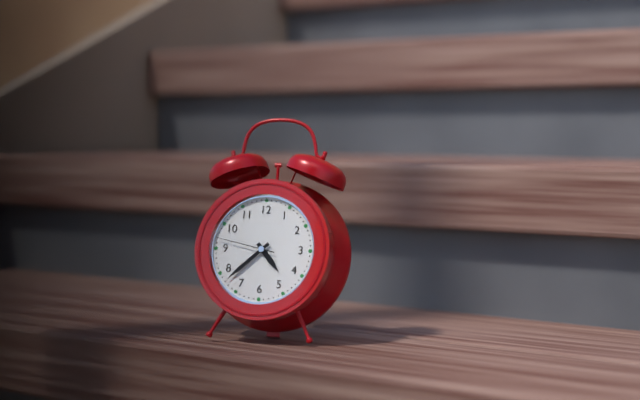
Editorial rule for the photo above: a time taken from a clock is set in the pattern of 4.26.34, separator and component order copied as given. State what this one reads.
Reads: 4.38.47
